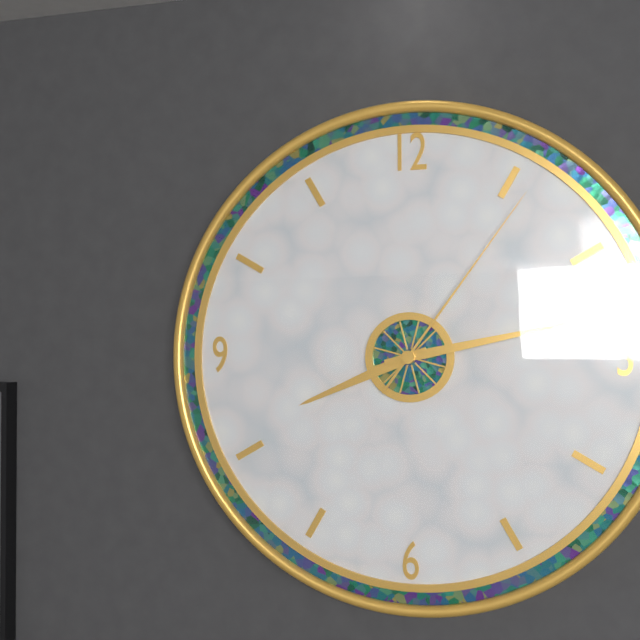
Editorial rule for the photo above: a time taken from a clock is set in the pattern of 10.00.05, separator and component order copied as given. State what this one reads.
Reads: 8.13.06
